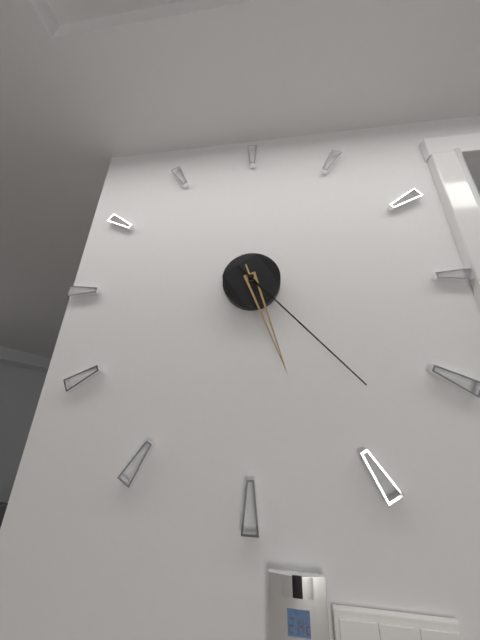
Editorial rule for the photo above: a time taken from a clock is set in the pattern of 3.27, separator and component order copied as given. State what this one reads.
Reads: 5.23
